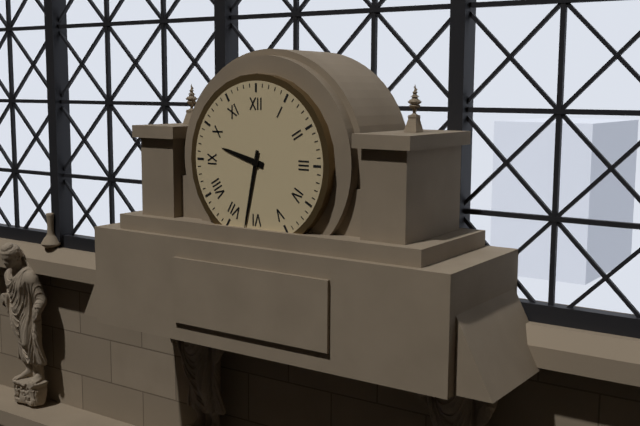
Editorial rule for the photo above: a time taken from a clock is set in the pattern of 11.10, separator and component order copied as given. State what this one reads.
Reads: 9.32
